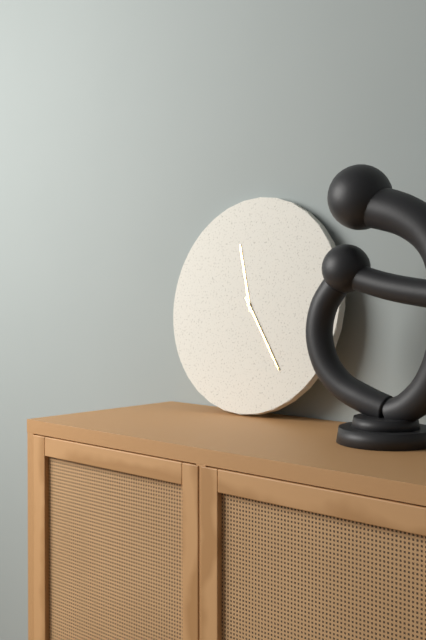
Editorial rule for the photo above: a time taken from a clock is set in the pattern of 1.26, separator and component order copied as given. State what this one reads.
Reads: 11.24
